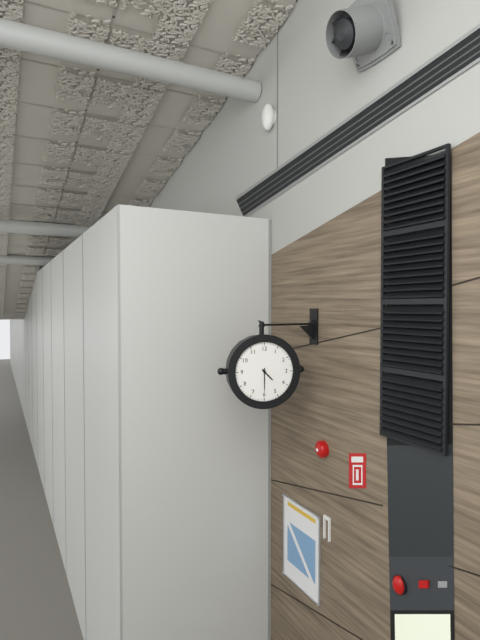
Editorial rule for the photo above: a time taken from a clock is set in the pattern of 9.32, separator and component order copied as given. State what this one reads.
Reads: 4.30
